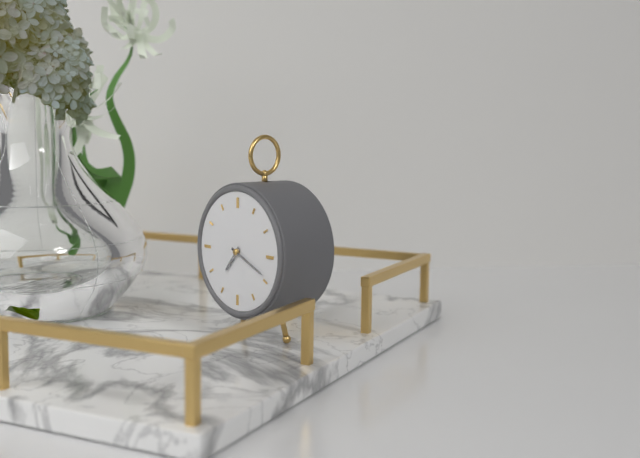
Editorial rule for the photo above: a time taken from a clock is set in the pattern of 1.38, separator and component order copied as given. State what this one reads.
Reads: 7.19
